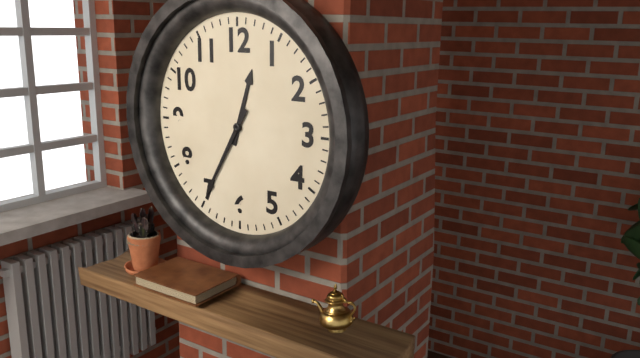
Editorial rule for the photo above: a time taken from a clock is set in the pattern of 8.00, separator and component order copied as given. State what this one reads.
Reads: 12.35
